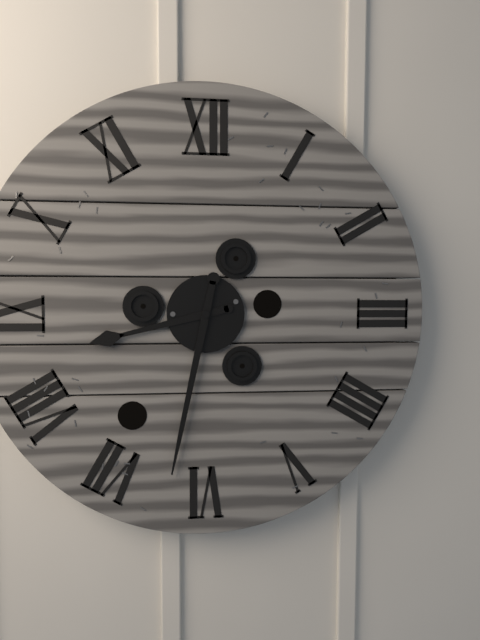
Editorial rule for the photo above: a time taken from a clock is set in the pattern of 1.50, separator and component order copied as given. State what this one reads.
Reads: 8.32
